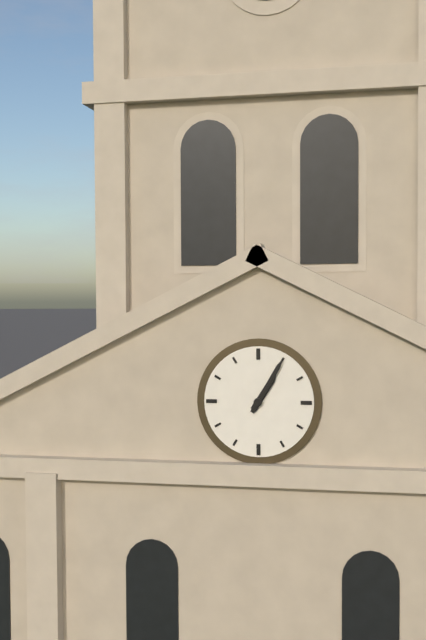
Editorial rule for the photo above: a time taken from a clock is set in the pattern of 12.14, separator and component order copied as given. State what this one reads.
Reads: 1.05
